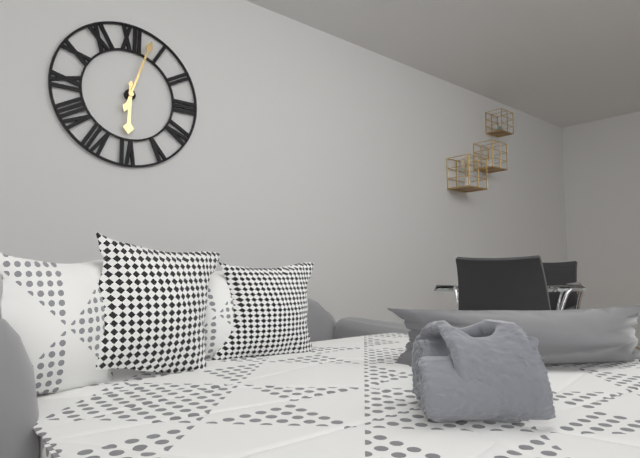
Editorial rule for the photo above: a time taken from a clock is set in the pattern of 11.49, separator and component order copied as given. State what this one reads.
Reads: 6.03
